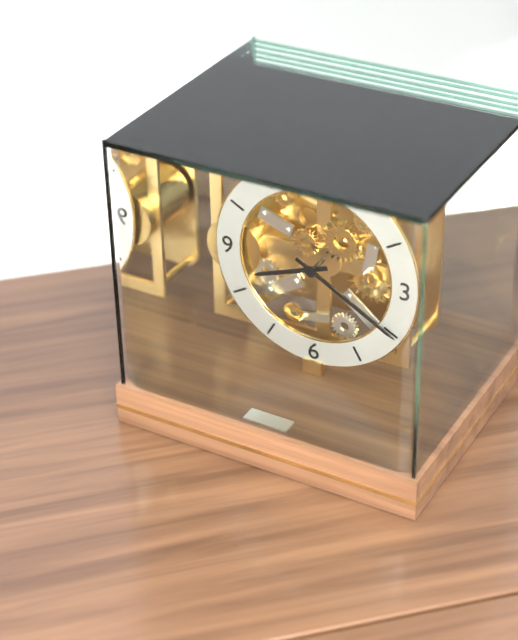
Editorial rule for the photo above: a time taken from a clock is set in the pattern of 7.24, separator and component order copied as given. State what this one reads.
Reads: 8.20
